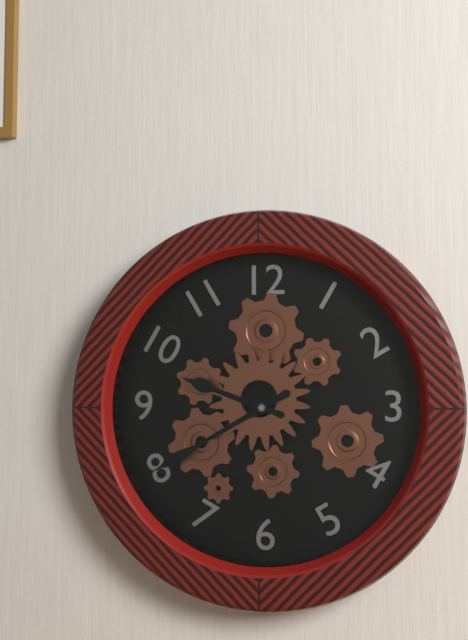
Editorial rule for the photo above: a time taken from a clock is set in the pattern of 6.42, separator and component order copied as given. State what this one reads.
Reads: 9.40
